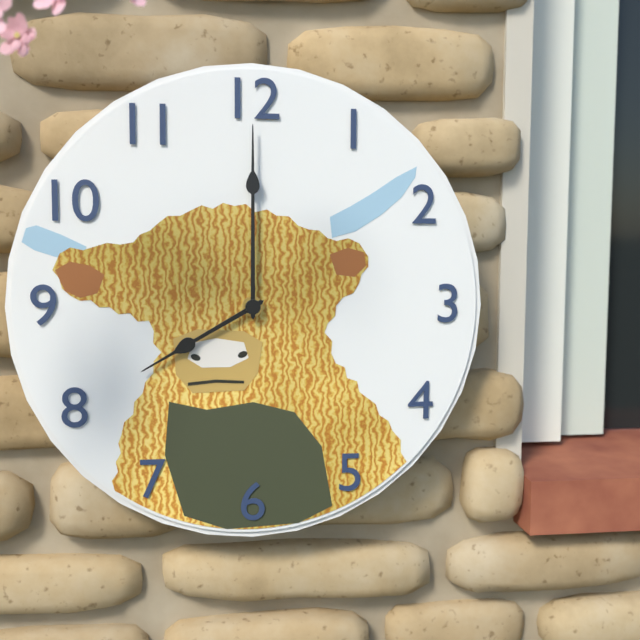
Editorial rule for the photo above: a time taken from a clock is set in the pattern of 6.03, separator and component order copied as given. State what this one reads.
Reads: 8.00
